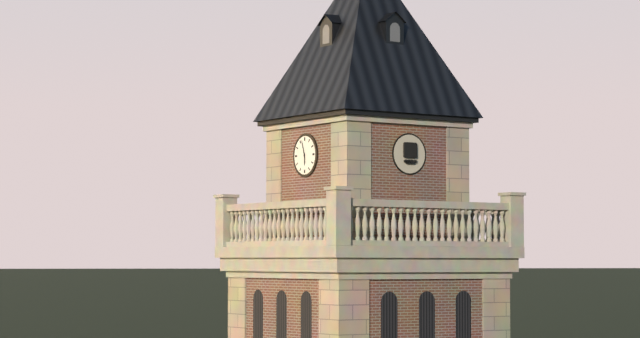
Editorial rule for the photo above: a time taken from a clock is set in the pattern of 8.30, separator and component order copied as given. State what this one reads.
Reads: 5.57
